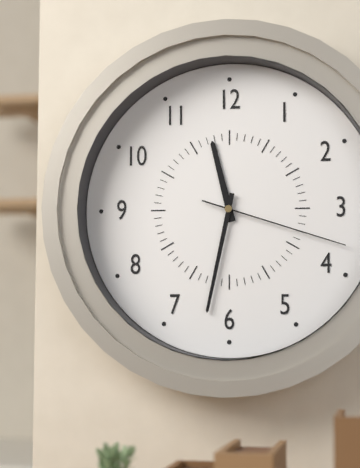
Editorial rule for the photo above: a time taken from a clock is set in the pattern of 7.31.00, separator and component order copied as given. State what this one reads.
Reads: 11.32.18
